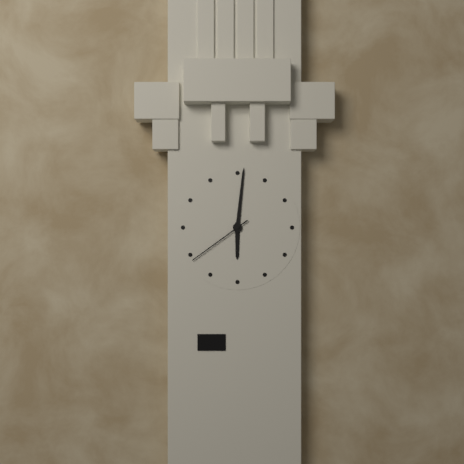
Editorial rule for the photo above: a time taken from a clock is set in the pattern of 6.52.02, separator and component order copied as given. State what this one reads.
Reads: 6.01.39
